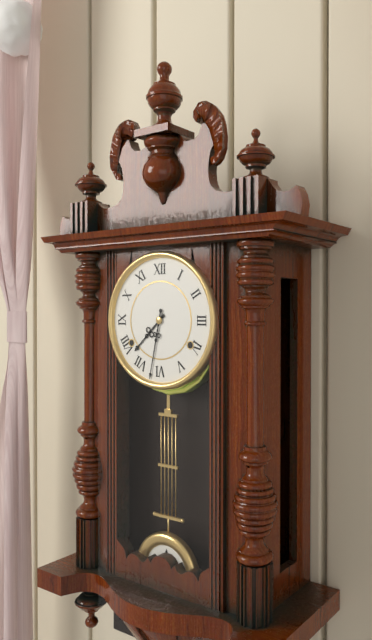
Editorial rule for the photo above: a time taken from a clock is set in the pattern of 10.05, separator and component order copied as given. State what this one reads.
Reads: 7.32
